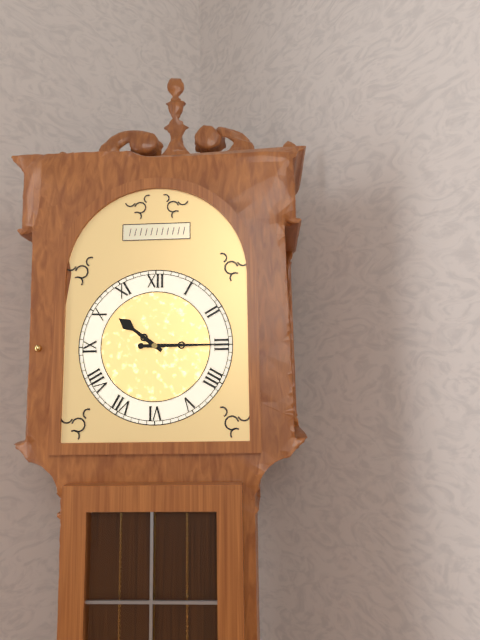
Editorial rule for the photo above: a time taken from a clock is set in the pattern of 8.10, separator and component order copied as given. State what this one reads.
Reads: 10.15
